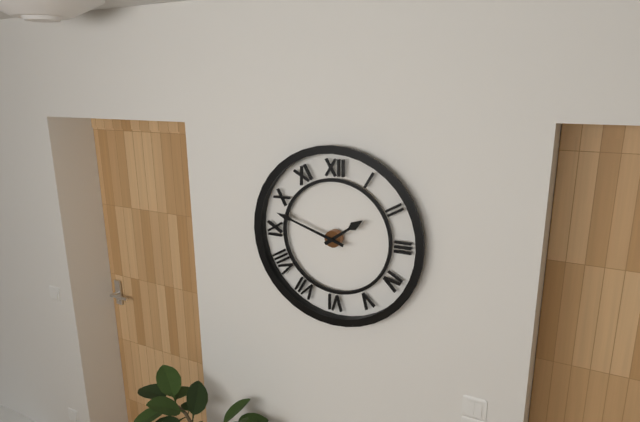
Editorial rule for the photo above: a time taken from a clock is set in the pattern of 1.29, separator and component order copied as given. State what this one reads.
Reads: 1.48
